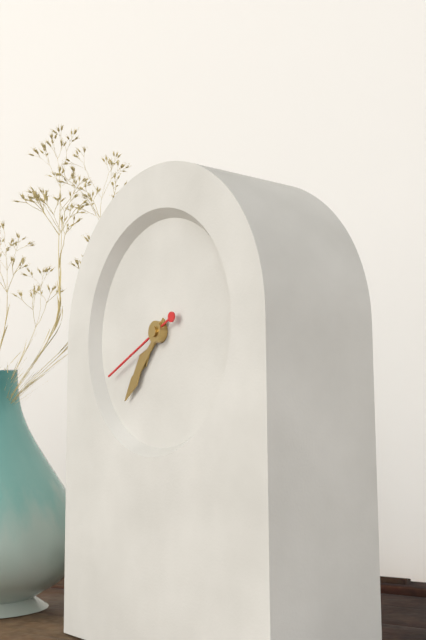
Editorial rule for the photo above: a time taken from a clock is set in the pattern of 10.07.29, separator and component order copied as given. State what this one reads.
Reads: 7.37.41
